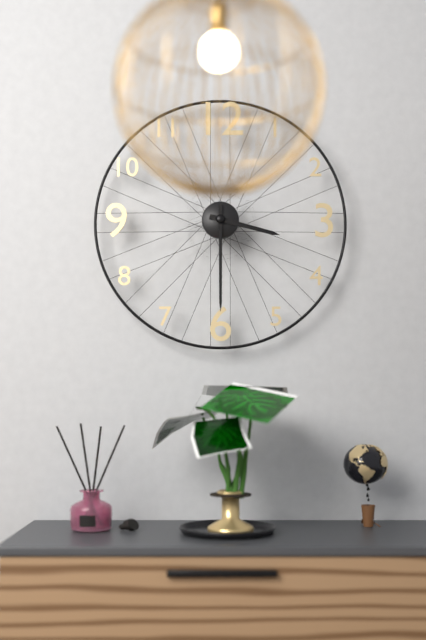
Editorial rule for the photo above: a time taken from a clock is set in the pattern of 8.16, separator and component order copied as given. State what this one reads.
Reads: 3.30
